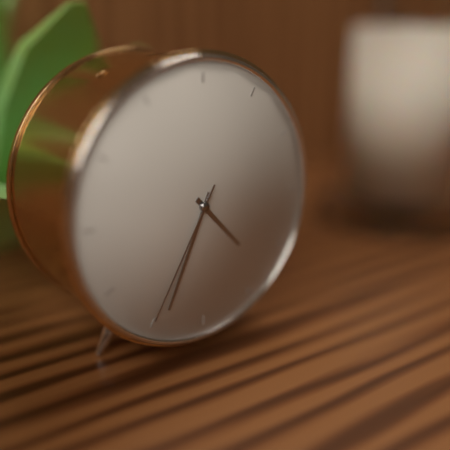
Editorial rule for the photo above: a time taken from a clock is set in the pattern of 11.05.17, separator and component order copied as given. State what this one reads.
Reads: 4.34.35
